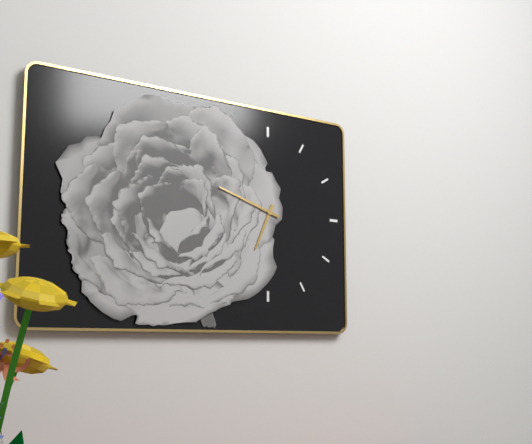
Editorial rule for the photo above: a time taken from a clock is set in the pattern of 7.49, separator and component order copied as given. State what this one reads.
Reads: 6.48
